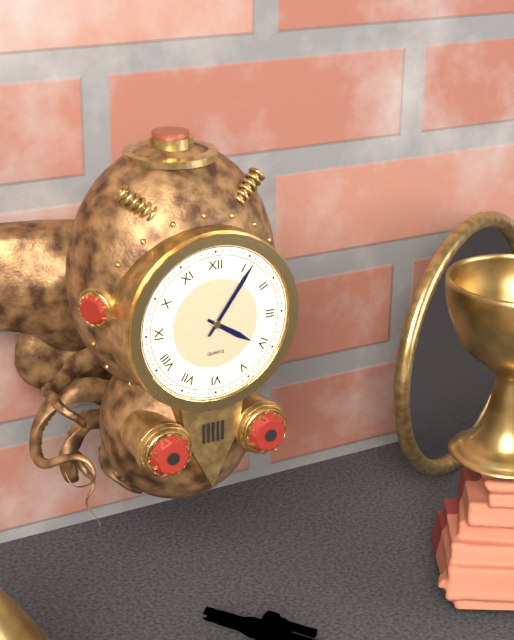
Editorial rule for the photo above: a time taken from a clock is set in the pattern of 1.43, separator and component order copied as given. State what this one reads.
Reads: 4.06
